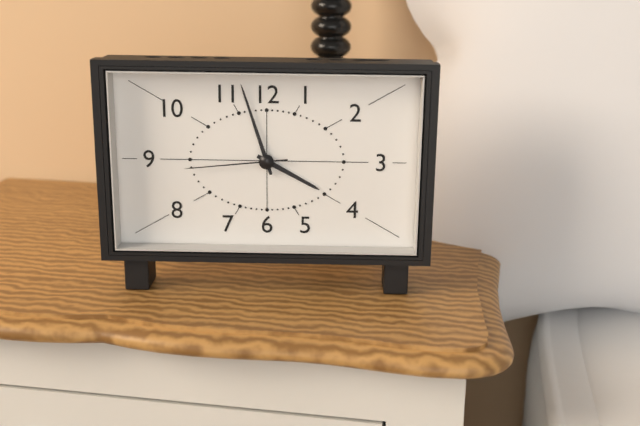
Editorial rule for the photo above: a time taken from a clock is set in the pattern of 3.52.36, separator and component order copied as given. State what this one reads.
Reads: 3.57.44
